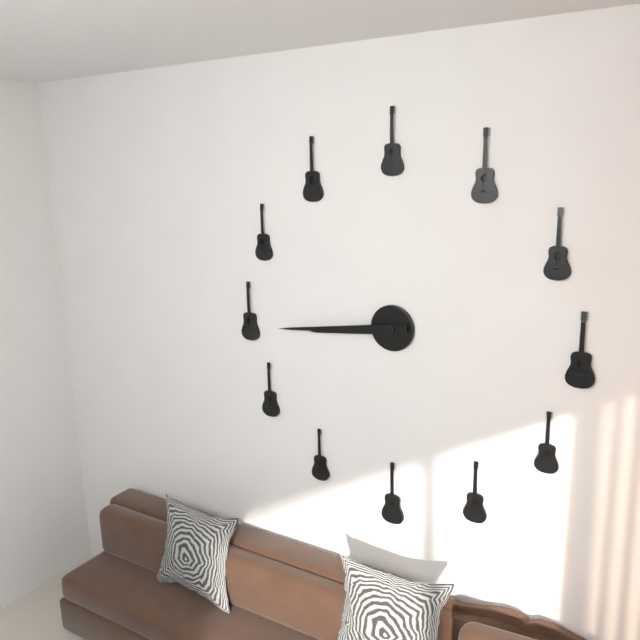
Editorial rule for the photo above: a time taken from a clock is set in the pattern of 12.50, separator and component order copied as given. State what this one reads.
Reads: 8.44
